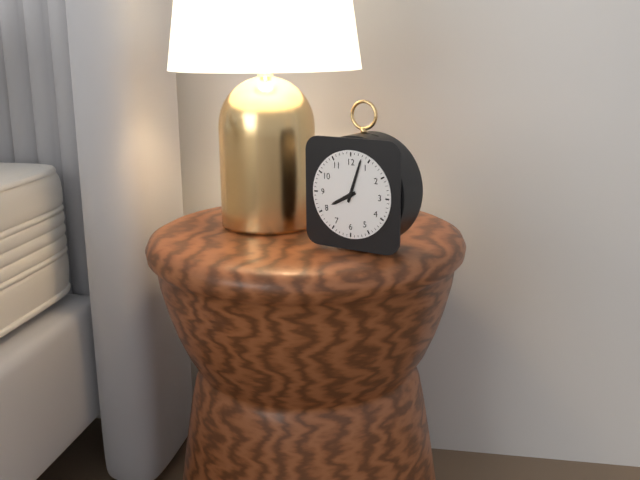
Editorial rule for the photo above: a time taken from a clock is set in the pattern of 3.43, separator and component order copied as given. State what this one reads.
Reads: 8.03
